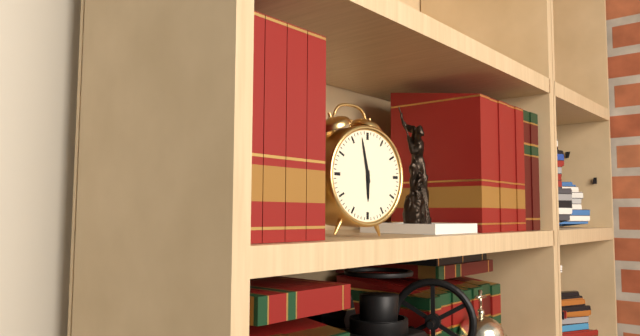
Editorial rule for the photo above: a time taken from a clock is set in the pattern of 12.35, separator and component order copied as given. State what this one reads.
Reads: 5.58
